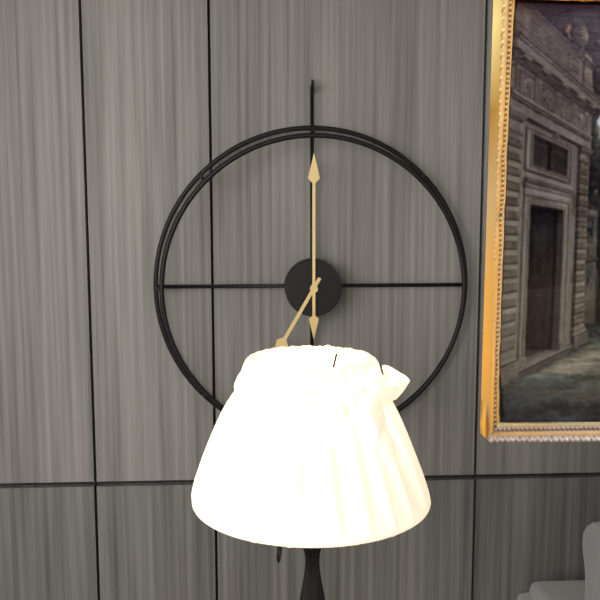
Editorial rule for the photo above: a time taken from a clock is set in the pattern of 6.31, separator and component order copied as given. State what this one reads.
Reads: 7.00
